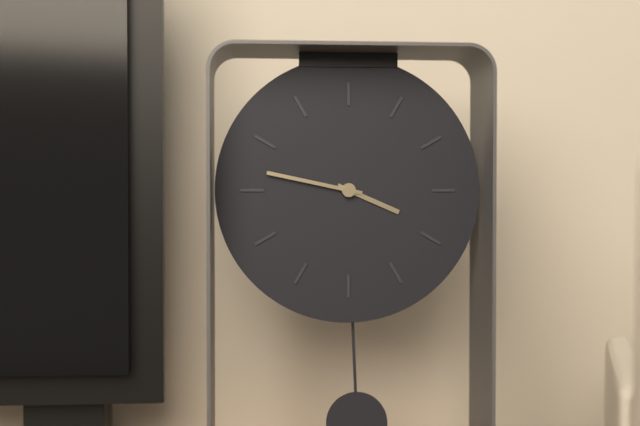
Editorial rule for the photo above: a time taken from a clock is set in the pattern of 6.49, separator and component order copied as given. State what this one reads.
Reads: 3.47
